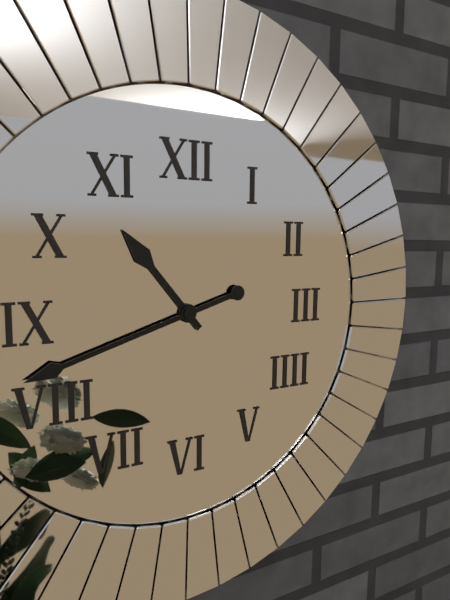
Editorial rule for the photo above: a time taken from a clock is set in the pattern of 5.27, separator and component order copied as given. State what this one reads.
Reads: 10.42
